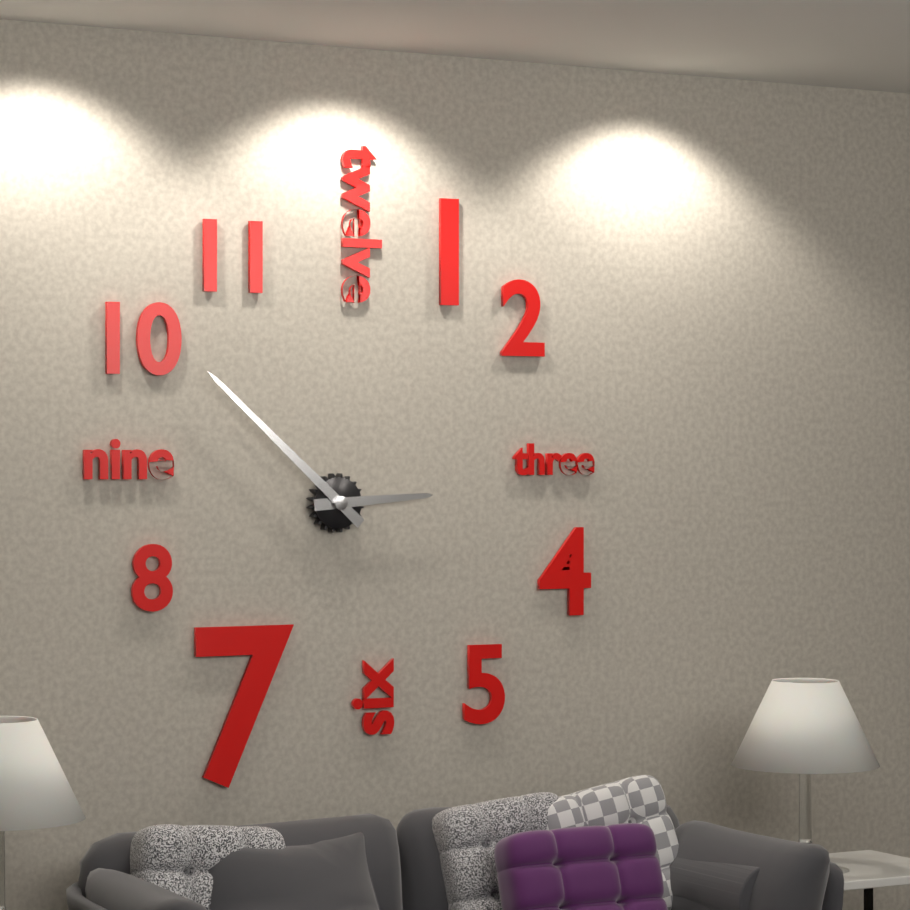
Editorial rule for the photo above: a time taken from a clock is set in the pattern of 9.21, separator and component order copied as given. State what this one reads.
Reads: 2.52
